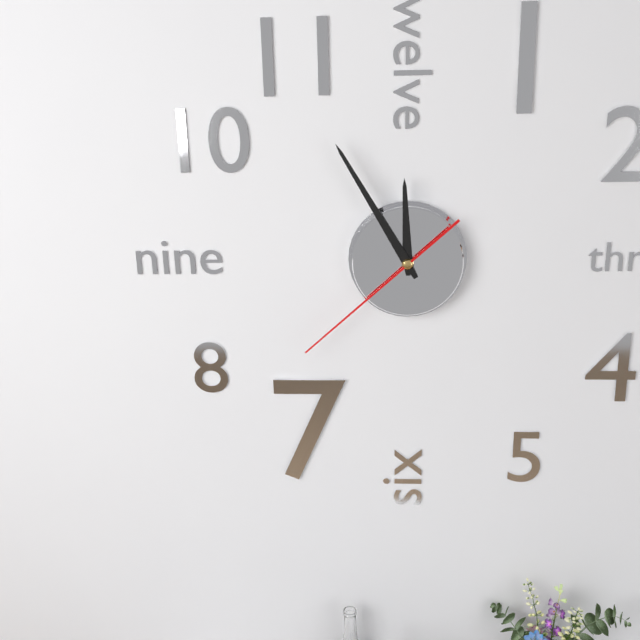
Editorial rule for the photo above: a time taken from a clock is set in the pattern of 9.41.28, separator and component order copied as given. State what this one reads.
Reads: 11.55.38
